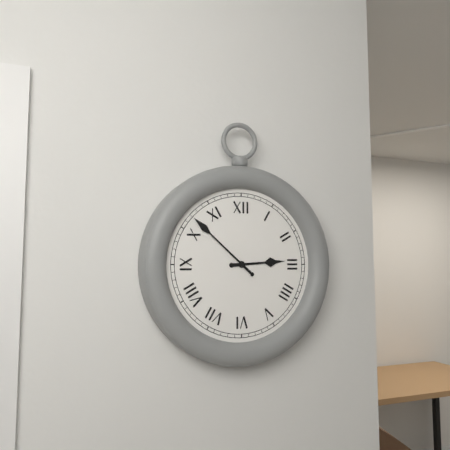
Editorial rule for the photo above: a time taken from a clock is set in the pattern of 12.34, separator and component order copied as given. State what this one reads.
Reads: 2.52
